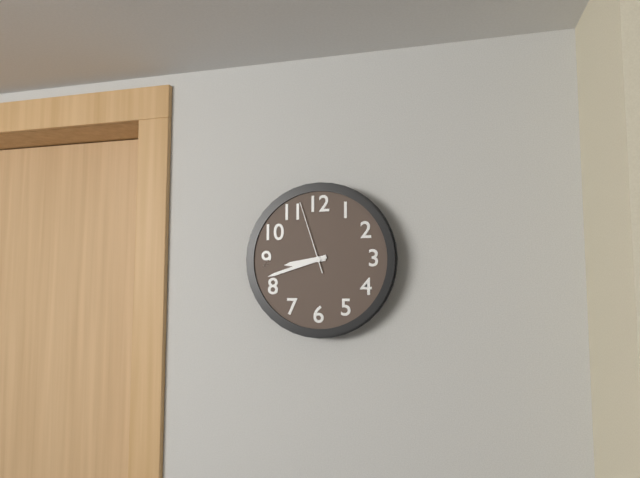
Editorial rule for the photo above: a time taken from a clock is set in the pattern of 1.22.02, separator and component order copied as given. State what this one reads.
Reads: 8.42.57
